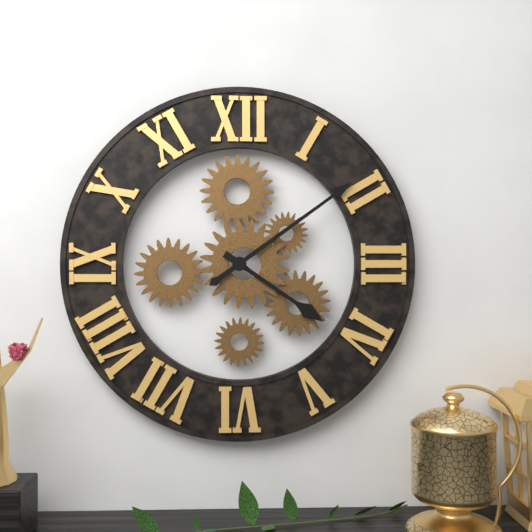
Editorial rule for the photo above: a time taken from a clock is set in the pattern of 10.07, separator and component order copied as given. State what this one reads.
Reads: 4.09
